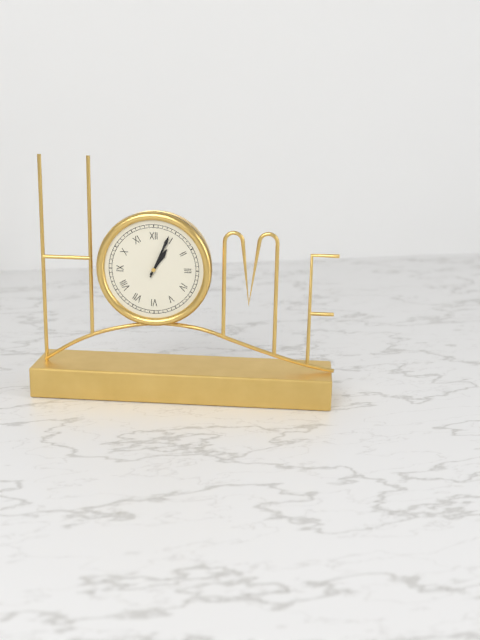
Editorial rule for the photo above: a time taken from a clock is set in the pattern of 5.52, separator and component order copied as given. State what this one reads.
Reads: 1.04
